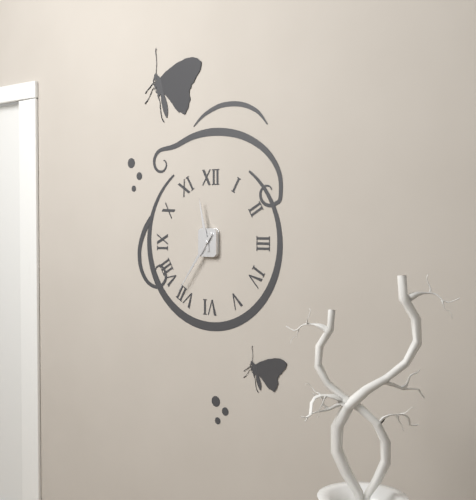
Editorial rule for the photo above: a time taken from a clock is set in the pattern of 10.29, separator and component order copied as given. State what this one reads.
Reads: 11.36
